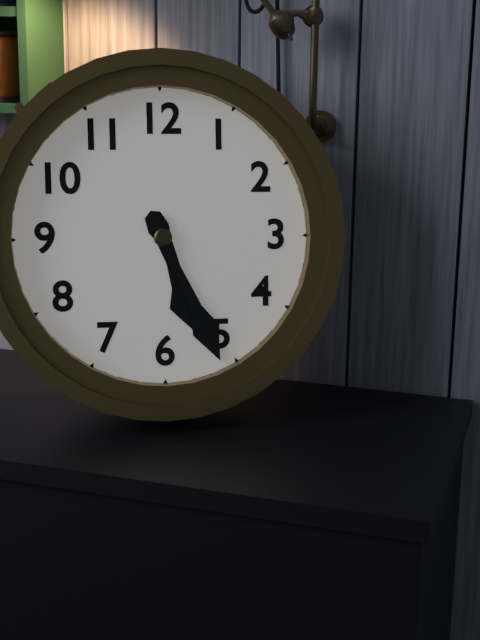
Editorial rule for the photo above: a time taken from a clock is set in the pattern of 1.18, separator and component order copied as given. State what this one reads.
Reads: 5.26
